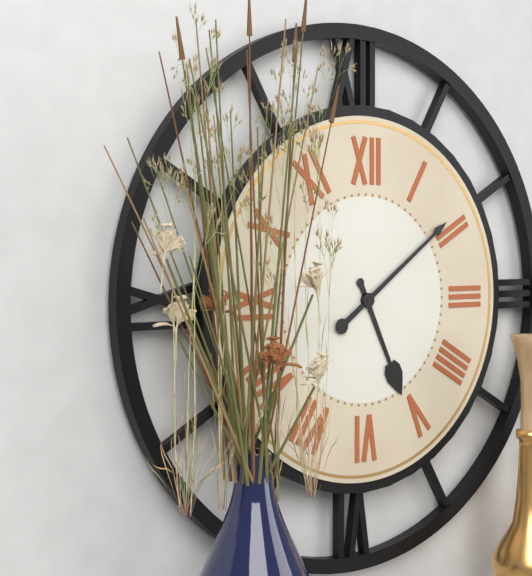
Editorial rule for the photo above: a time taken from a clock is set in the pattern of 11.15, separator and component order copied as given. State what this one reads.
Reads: 5.09
